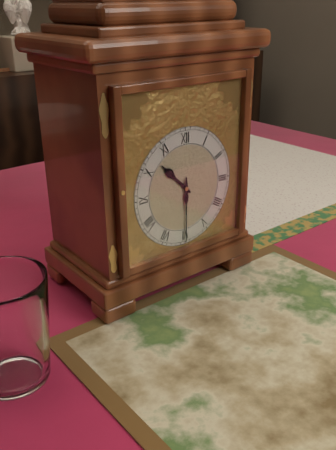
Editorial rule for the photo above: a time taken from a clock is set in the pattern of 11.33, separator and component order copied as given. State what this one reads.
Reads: 10.30
